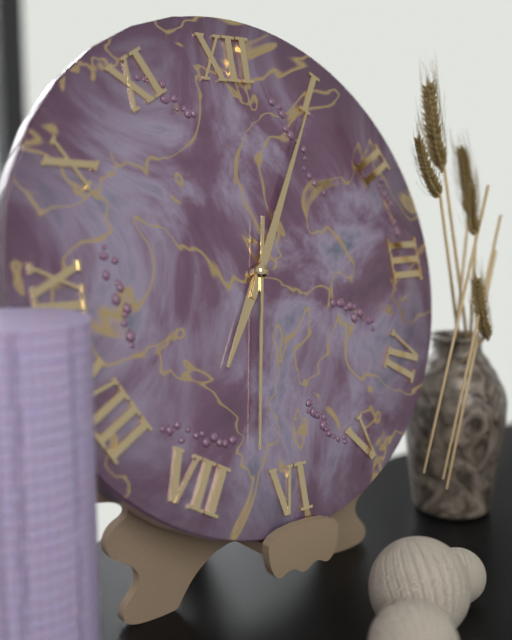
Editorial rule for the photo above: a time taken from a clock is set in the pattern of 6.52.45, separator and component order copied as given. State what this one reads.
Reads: 7.05.32
